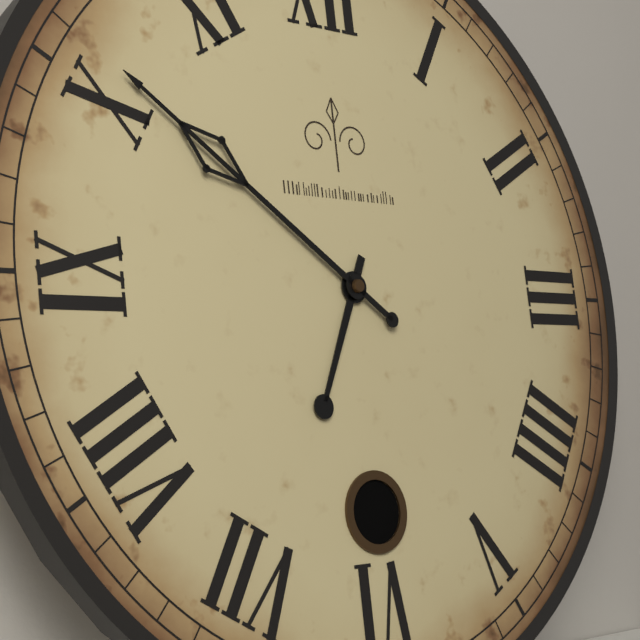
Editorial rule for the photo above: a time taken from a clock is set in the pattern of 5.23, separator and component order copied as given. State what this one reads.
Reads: 6.51
